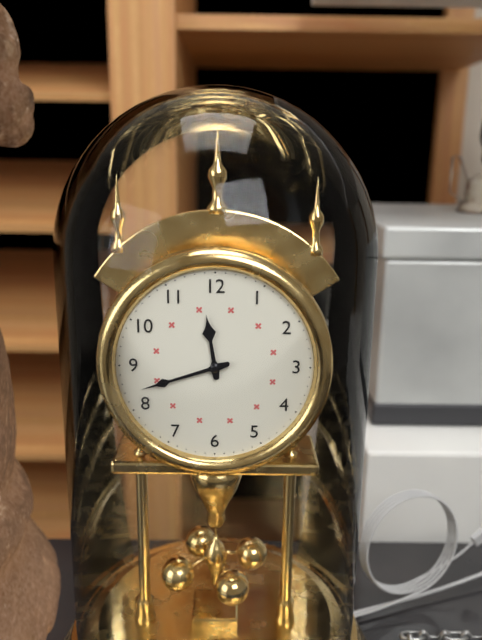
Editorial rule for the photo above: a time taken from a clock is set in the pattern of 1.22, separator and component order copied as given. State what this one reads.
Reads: 11.42
